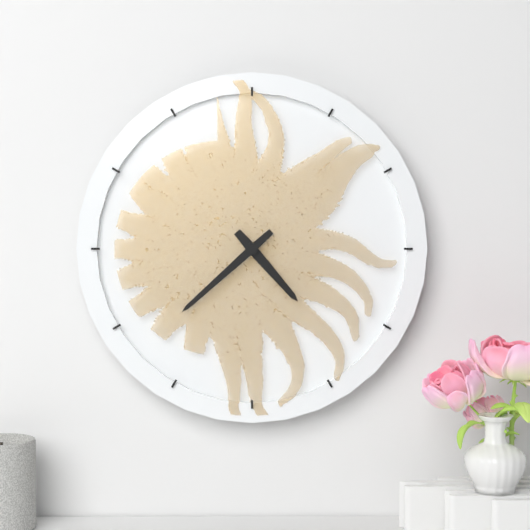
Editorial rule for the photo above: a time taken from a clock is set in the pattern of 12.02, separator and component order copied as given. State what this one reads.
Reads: 4.38
